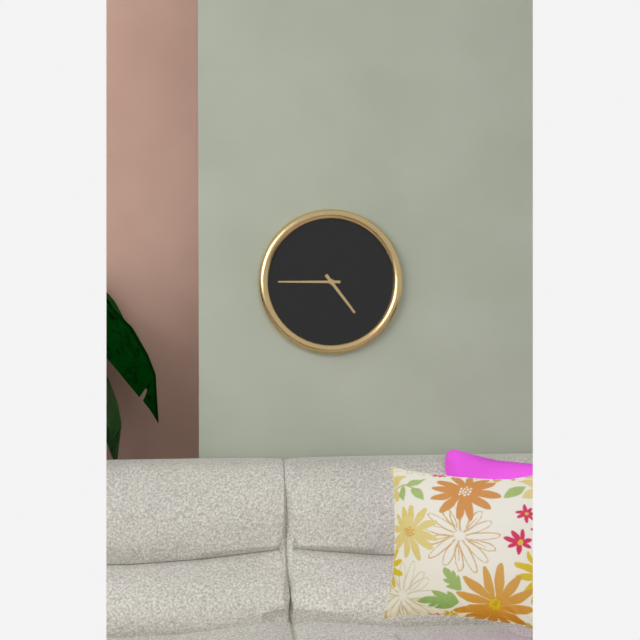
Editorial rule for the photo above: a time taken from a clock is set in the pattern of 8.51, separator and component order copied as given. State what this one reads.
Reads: 4.45
